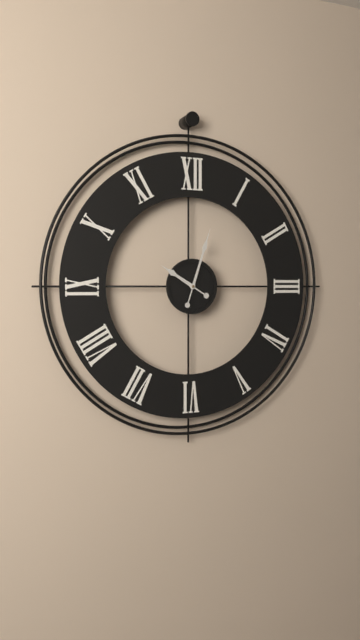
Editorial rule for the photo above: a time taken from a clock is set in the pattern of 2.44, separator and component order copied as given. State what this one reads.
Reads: 10.03
